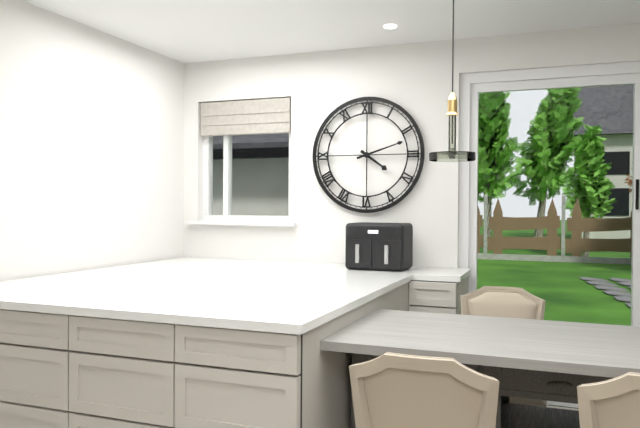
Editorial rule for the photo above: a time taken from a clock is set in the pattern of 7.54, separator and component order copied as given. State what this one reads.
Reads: 4.12
